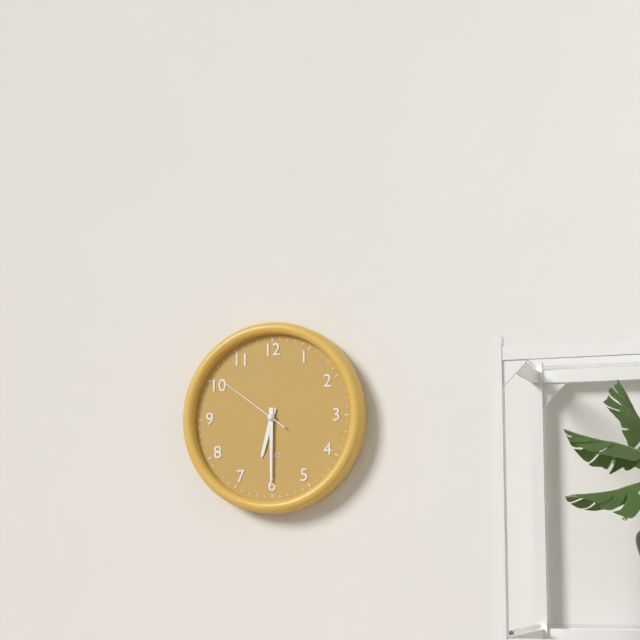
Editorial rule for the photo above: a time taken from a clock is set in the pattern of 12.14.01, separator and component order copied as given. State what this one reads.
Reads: 6.30.51
